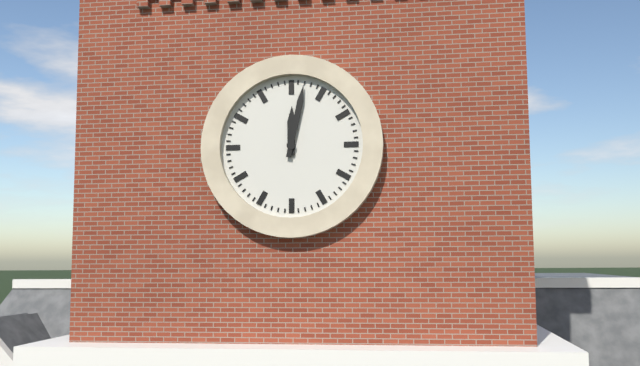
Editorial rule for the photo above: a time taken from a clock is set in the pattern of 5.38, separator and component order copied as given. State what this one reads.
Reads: 12.02
